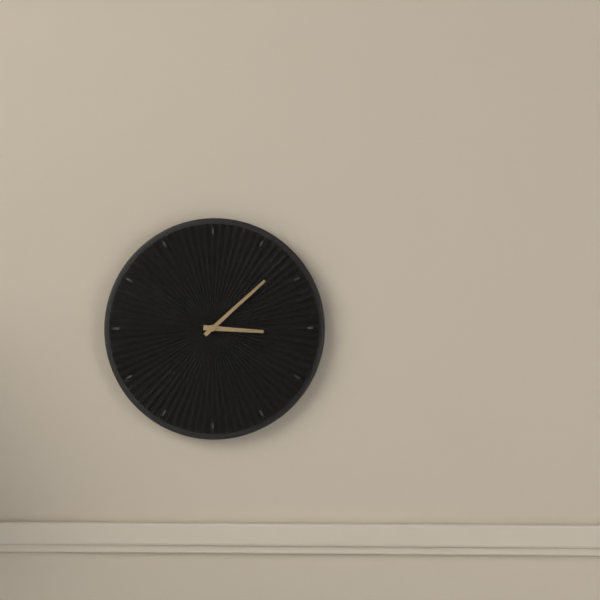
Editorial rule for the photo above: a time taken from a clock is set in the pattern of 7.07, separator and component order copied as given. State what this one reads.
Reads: 3.08
